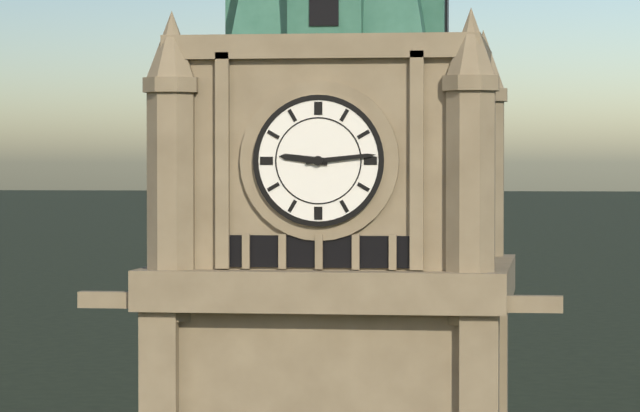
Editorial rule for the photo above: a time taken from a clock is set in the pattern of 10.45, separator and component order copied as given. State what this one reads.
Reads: 9.14
